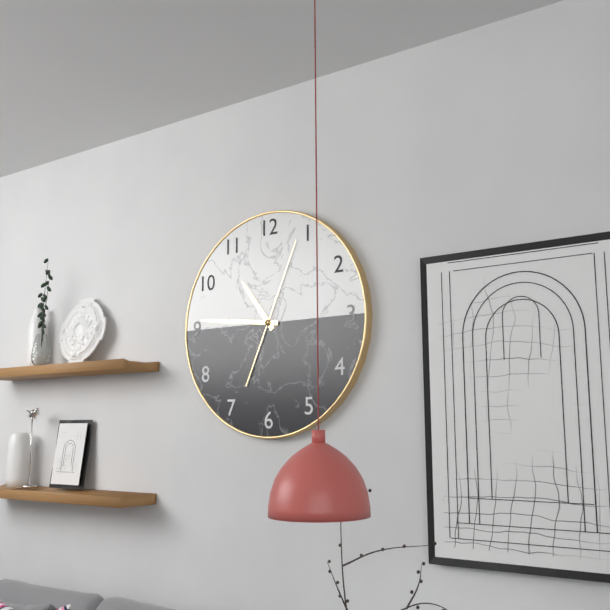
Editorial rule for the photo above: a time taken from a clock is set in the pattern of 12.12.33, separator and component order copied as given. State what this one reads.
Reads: 10.46.04
